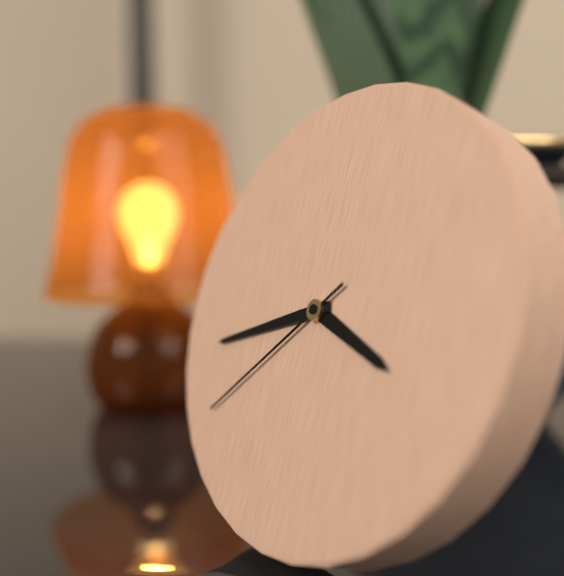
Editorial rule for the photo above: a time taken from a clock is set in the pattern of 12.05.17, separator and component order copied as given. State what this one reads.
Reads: 3.42.38
